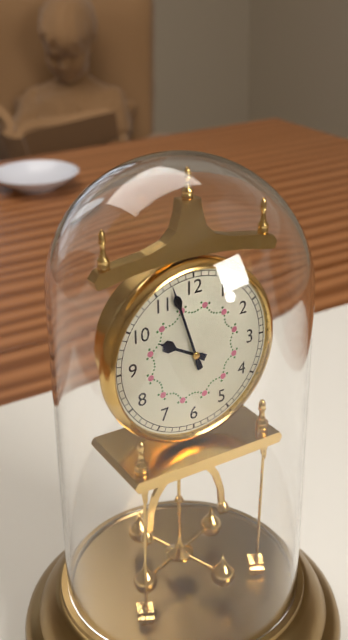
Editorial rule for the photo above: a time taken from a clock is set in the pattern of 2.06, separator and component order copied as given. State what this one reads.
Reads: 9.57
